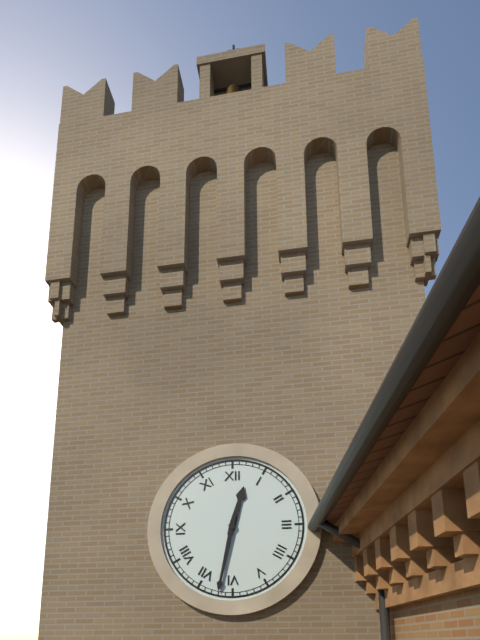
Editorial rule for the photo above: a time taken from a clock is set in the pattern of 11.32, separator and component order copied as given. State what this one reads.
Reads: 12.32
